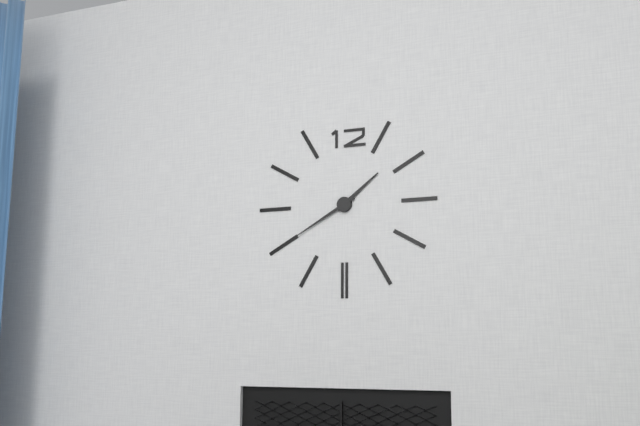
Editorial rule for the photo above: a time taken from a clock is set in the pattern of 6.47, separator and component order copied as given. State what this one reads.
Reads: 1.40
